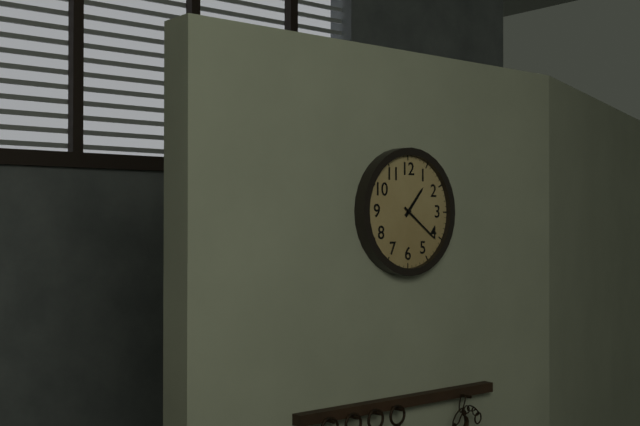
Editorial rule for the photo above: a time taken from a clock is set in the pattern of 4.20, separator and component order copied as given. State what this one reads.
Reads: 1.21
